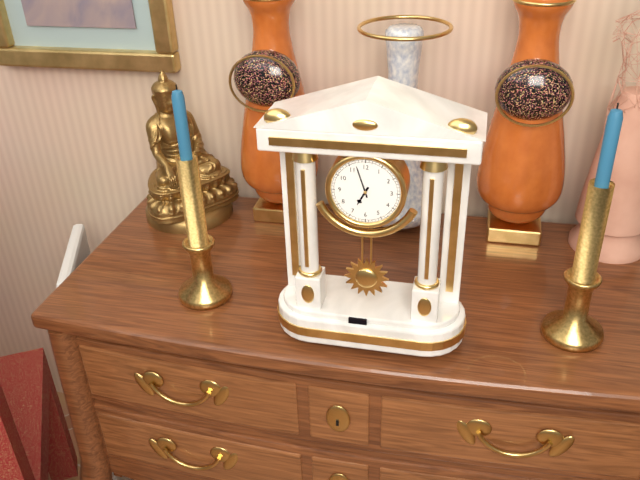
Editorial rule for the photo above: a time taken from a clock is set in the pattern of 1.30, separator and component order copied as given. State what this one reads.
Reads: 6.57
